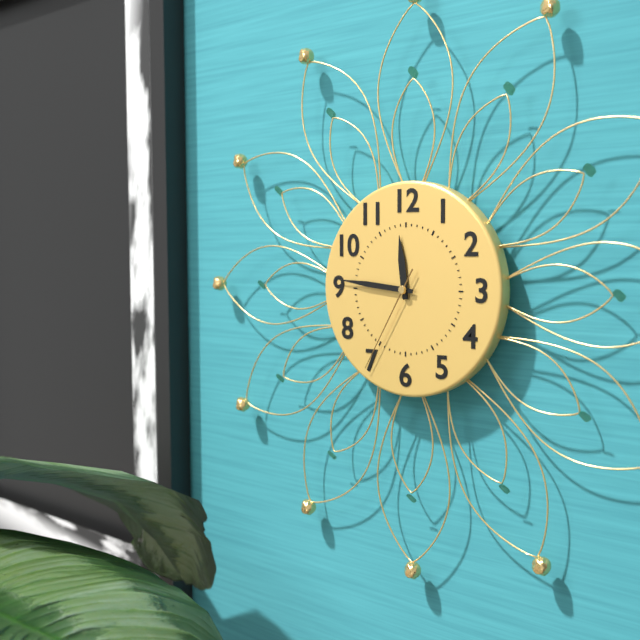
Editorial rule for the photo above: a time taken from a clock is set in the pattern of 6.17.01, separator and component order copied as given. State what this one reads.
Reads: 11.46.35
